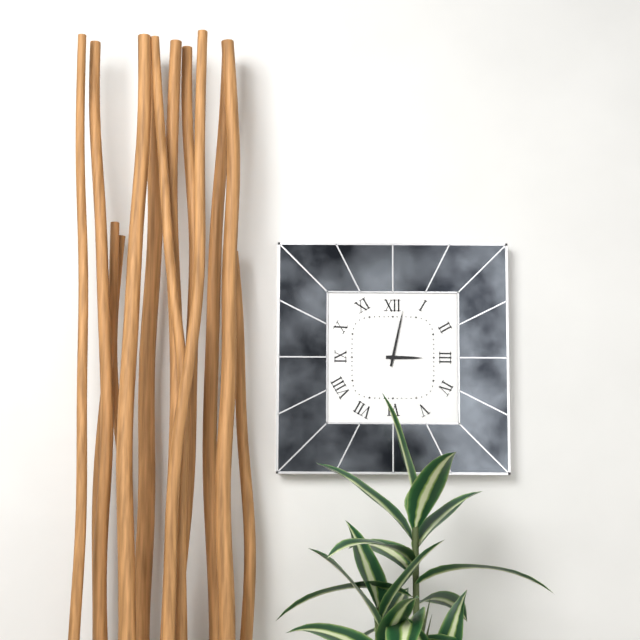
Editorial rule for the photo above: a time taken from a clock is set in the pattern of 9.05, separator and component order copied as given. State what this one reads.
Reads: 3.02
